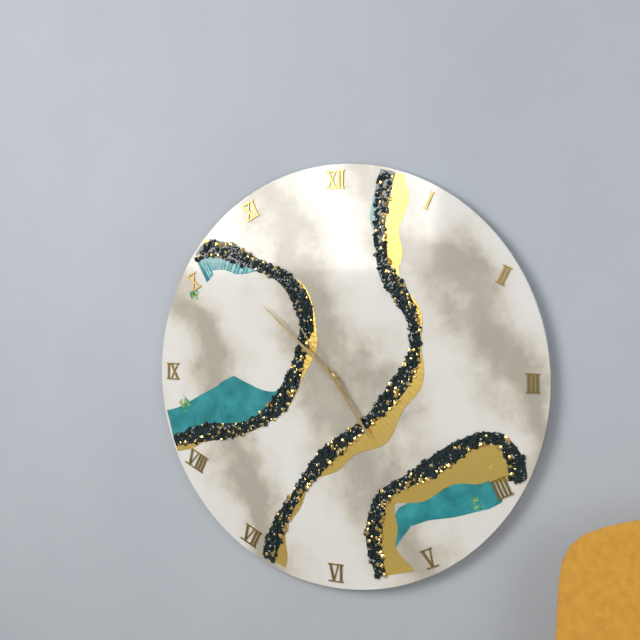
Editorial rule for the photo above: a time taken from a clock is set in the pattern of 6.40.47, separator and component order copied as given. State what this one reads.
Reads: 4.52.54
